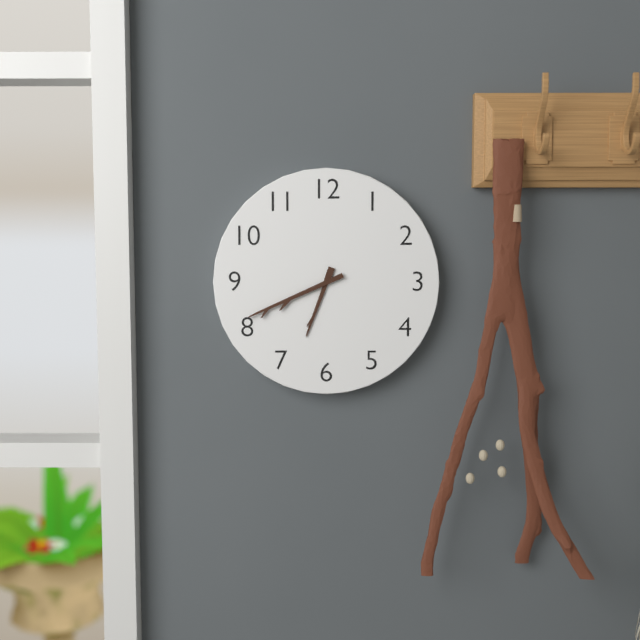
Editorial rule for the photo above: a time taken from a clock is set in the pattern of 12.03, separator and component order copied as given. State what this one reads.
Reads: 6.41
